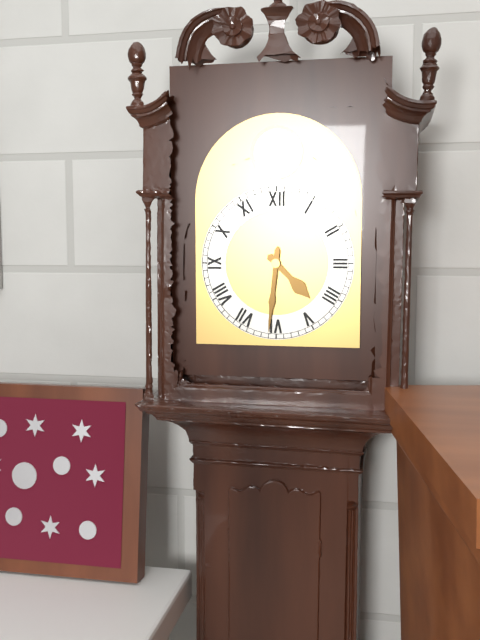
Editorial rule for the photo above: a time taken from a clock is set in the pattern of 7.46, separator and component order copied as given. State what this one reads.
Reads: 4.31
